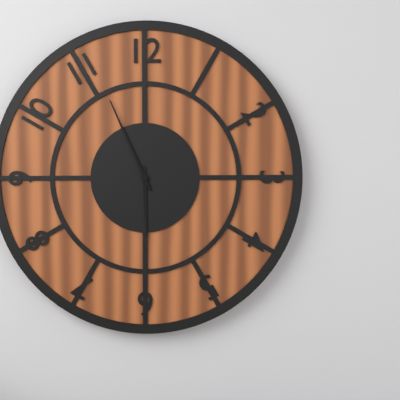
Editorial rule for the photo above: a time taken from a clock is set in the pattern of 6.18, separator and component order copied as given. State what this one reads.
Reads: 5.56
